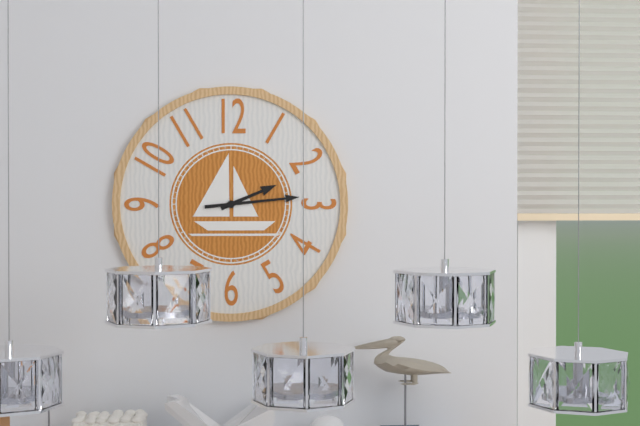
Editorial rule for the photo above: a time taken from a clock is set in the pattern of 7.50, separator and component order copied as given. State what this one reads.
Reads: 2.14
